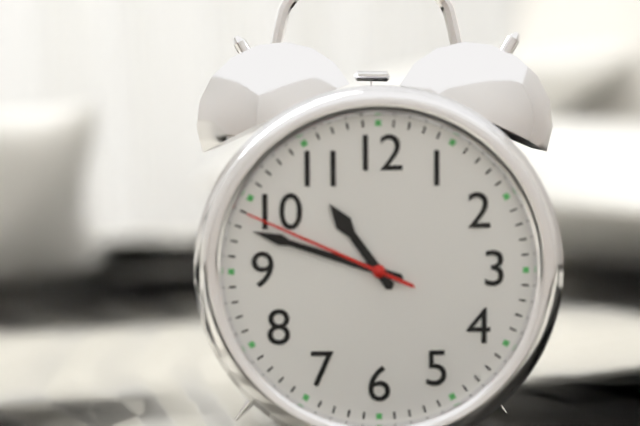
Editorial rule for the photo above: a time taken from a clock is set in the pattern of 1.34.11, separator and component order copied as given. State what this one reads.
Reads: 10.48.49
